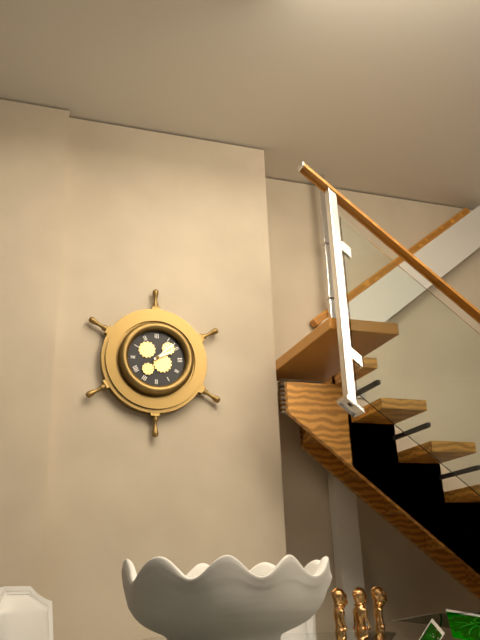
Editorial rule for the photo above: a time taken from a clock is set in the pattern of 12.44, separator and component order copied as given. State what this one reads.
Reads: 2.08
